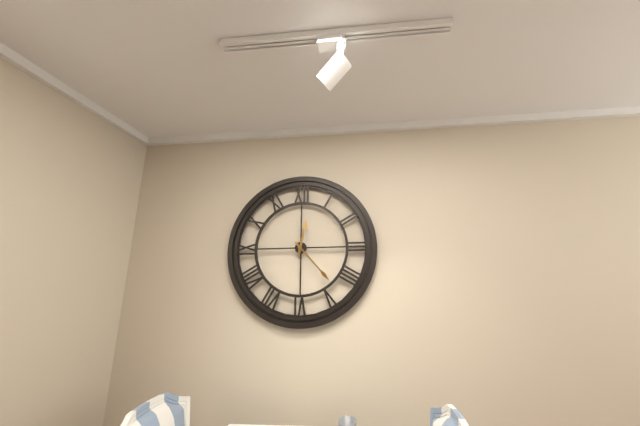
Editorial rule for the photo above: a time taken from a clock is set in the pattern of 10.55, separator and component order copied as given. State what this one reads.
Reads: 12.23
